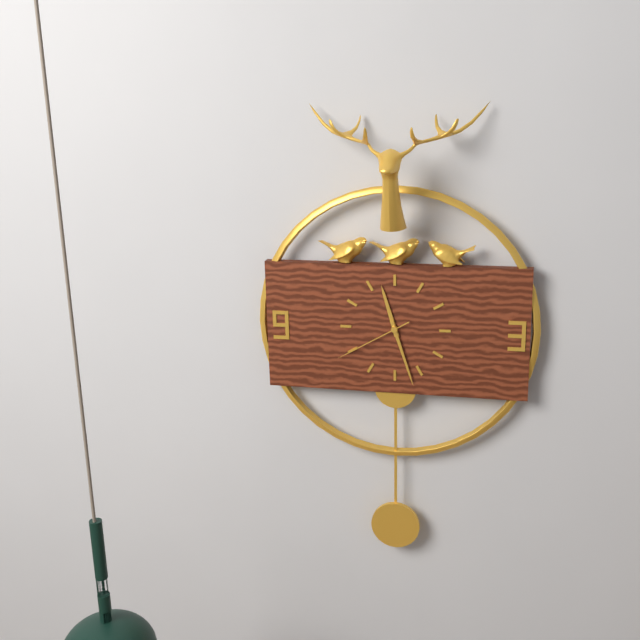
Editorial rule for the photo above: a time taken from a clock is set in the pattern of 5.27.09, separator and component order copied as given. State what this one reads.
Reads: 11.27.40
